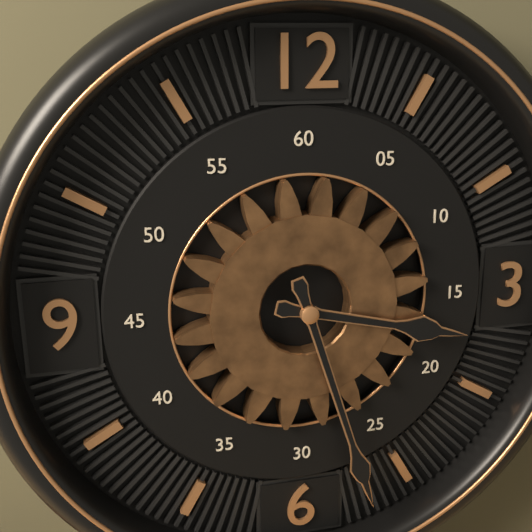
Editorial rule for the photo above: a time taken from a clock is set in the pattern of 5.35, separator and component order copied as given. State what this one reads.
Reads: 3.27
